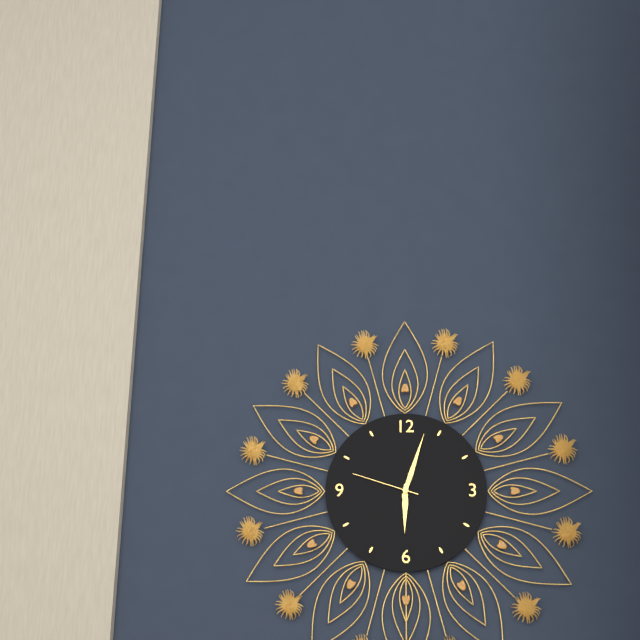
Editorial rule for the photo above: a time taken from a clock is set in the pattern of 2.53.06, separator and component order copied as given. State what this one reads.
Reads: 6.03.48
